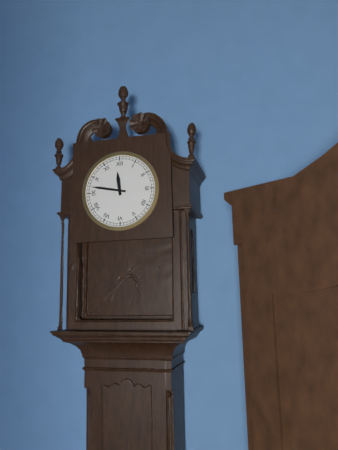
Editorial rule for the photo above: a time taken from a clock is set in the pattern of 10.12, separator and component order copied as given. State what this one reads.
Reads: 11.47
